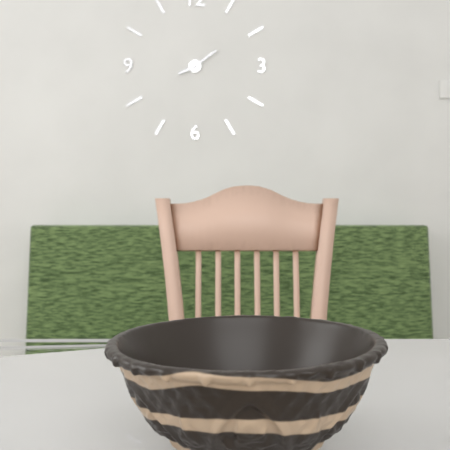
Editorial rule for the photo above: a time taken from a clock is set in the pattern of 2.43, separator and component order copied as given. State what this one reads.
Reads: 8.09
